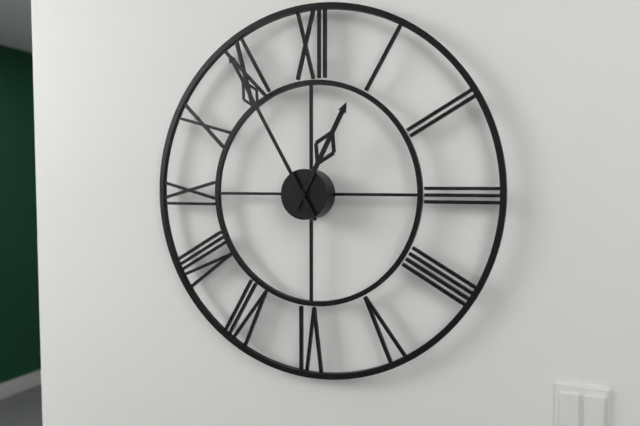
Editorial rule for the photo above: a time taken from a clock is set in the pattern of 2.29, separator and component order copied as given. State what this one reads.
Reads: 12.55
